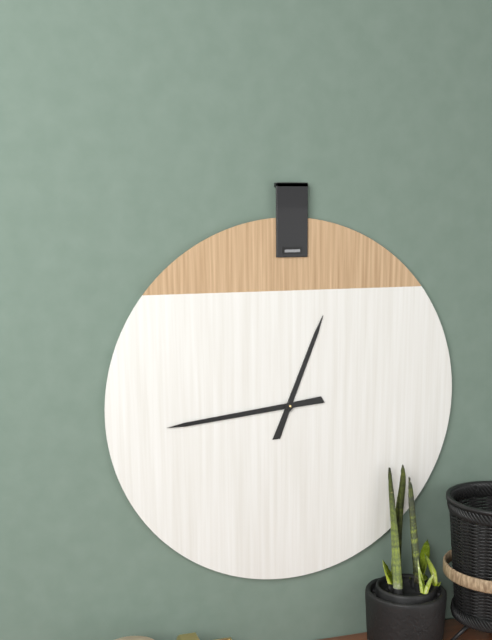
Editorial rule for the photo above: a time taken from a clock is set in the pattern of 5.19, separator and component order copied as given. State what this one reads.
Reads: 12.44
